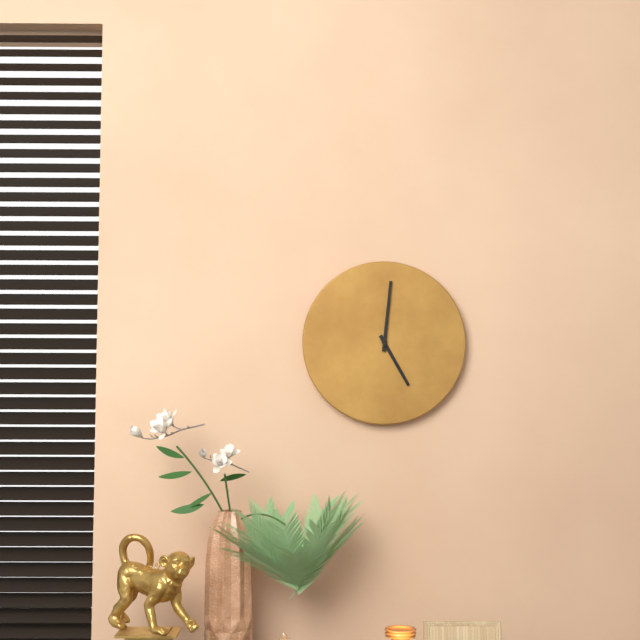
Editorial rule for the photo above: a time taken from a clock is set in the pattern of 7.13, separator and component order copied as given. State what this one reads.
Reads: 5.01
